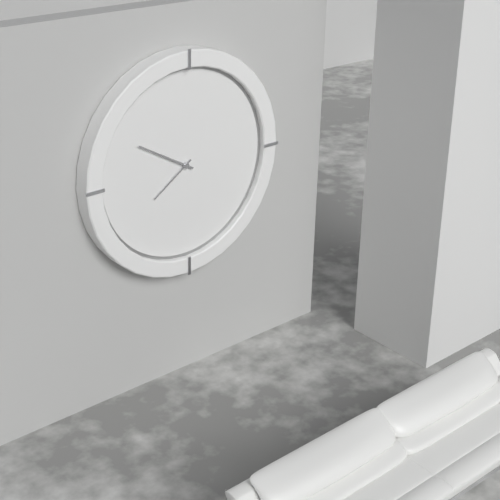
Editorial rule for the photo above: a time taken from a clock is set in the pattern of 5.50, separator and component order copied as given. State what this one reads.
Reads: 7.50
